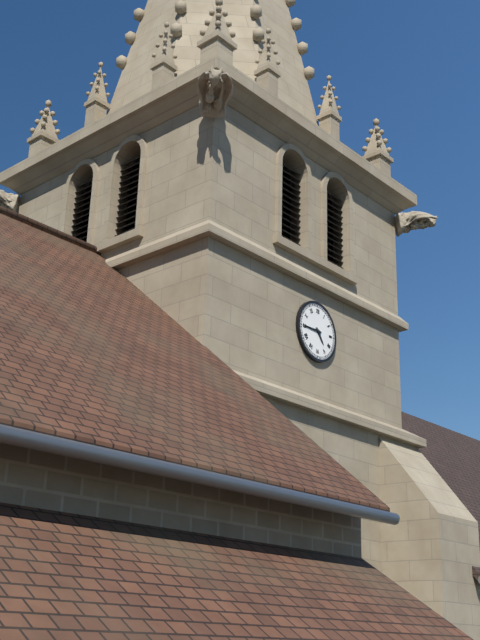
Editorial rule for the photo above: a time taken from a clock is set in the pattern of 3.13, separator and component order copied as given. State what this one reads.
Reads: 4.45
